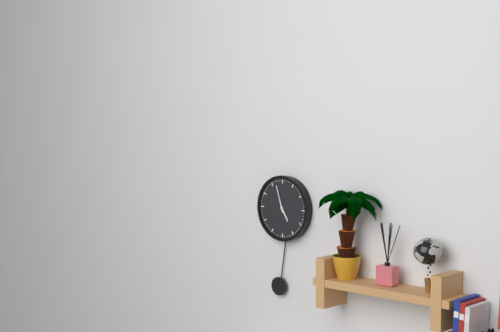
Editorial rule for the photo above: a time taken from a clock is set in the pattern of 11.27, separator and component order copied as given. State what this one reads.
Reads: 4.57
